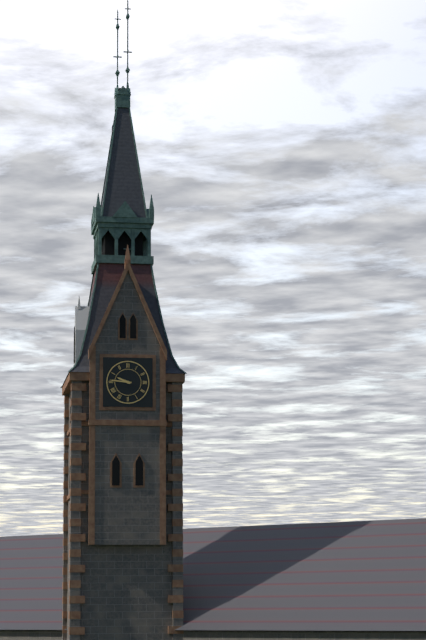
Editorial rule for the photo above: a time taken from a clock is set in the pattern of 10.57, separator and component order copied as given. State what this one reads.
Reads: 9.46
